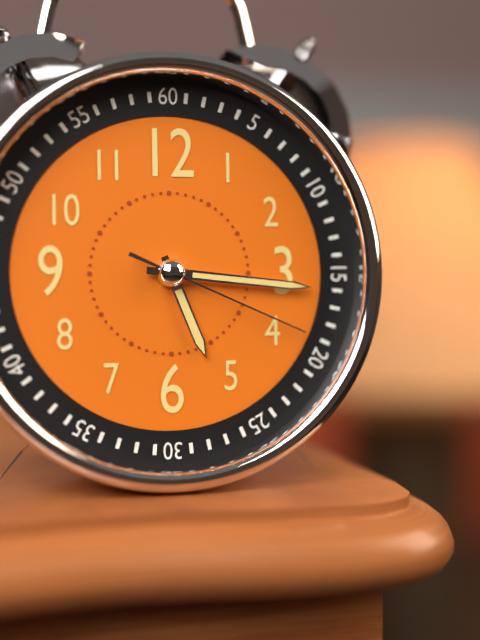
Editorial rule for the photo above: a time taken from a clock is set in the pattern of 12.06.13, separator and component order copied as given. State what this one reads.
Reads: 5.16.19
